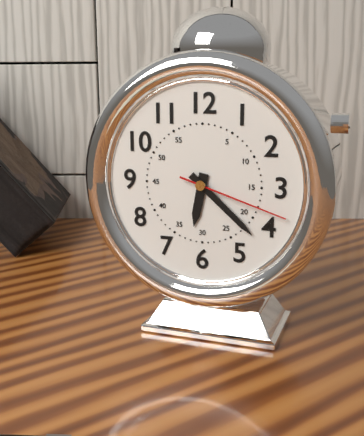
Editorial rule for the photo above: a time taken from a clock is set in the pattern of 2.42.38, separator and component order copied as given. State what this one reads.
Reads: 6.22.18
